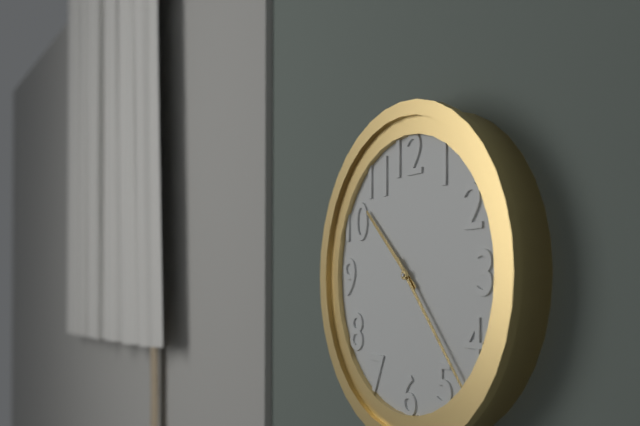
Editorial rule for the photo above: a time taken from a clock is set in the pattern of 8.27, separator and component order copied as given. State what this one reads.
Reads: 10.23
